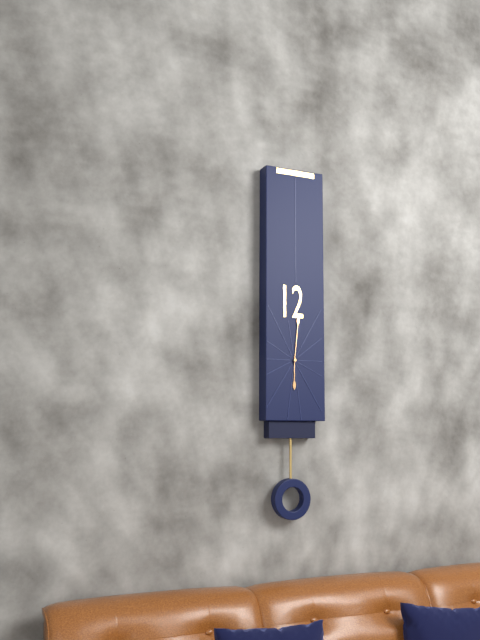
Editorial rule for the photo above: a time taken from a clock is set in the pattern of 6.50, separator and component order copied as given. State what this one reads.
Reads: 6.01
